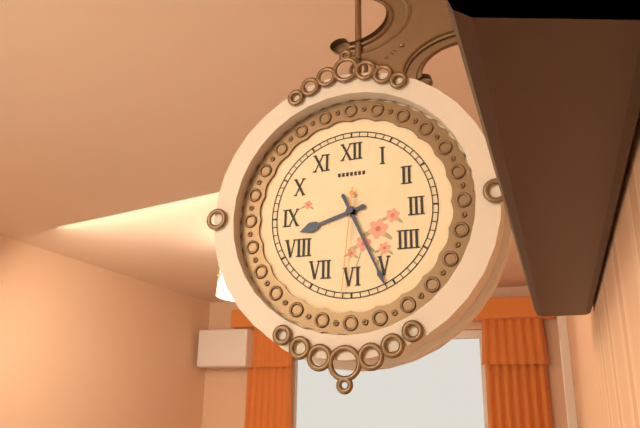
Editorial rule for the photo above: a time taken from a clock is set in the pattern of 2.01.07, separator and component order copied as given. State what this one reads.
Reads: 8.26.31
